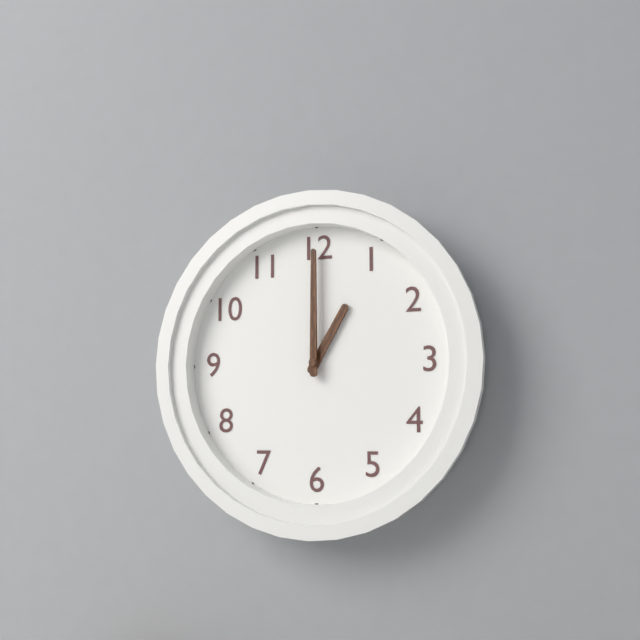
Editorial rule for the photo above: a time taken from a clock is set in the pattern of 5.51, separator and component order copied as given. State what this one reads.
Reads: 1.00
